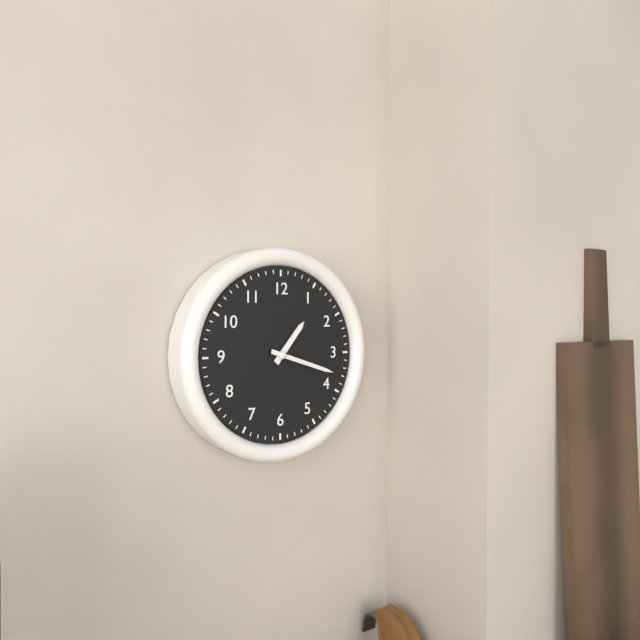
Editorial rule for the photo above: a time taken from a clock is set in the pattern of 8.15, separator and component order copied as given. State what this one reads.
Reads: 1.18
